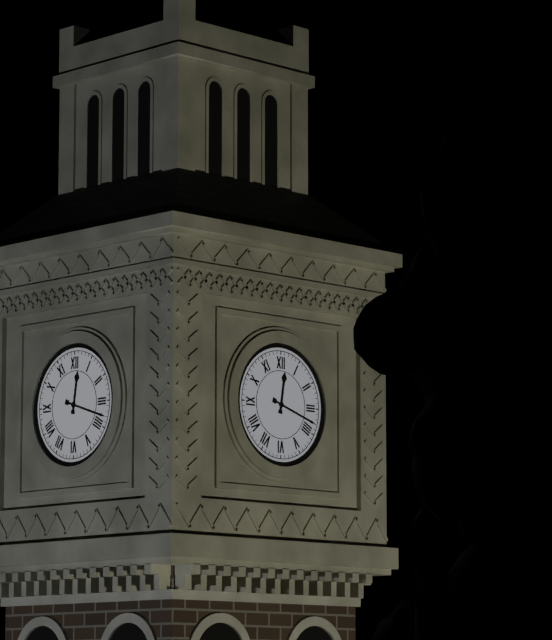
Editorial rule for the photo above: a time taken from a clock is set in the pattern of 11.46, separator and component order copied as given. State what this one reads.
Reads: 12.18
